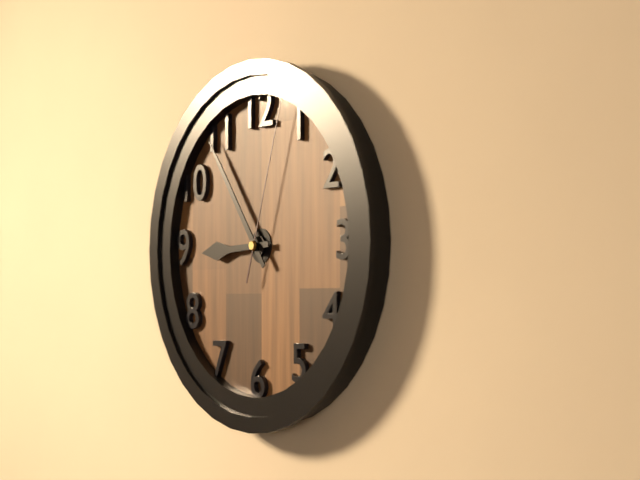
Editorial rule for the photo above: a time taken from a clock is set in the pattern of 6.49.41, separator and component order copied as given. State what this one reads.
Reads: 8.54.03
